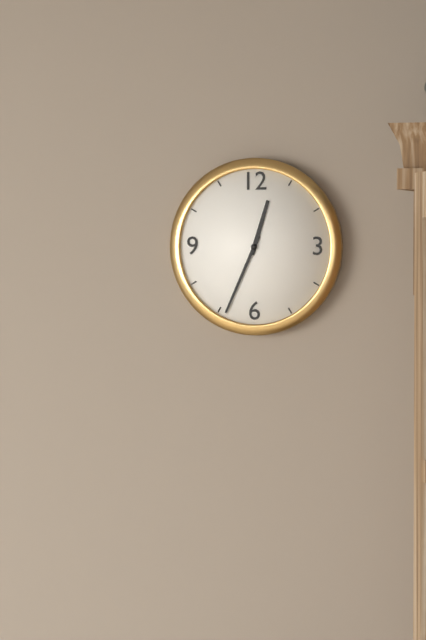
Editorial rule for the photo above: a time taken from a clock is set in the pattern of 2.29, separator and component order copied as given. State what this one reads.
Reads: 12.34
